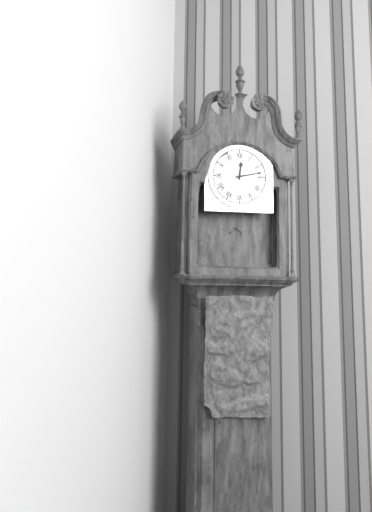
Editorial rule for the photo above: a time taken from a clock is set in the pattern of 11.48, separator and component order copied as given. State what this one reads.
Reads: 12.13
